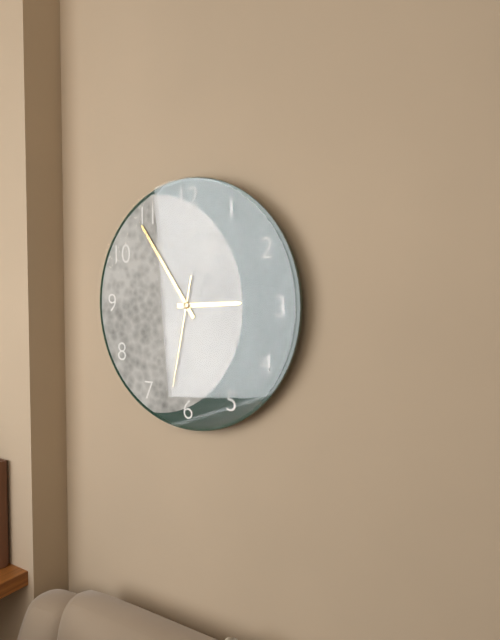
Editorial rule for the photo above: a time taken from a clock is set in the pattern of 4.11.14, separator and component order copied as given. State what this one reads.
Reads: 2.54.32
